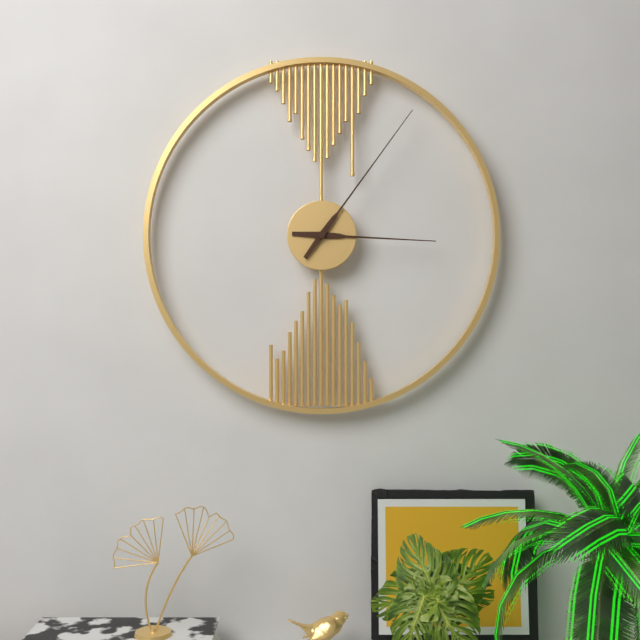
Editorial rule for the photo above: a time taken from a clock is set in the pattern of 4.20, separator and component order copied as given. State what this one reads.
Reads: 3.06
